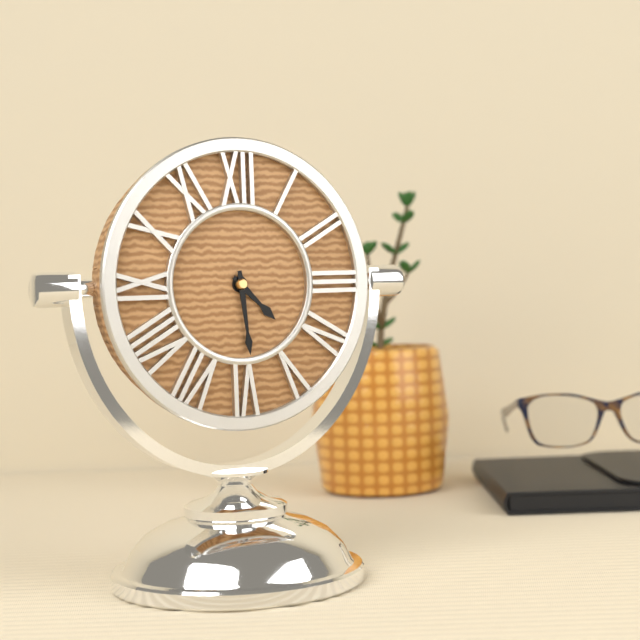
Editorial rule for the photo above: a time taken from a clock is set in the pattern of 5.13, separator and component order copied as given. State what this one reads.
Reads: 4.29
